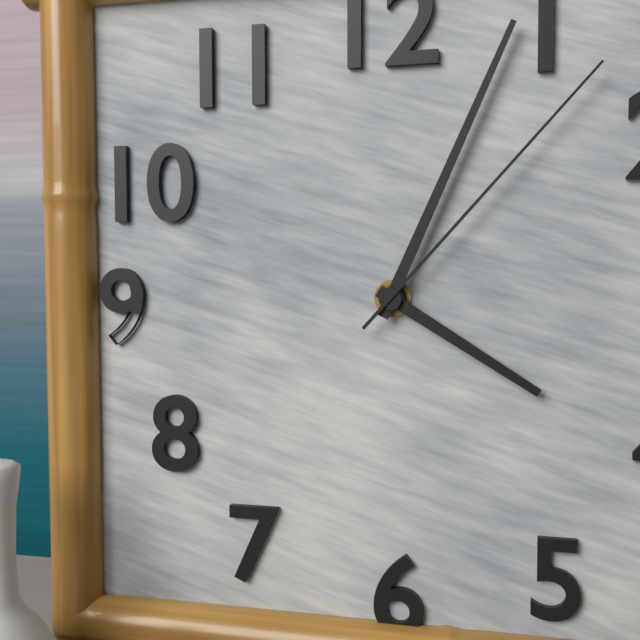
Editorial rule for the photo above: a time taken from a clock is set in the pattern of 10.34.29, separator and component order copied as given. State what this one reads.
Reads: 4.04.07
